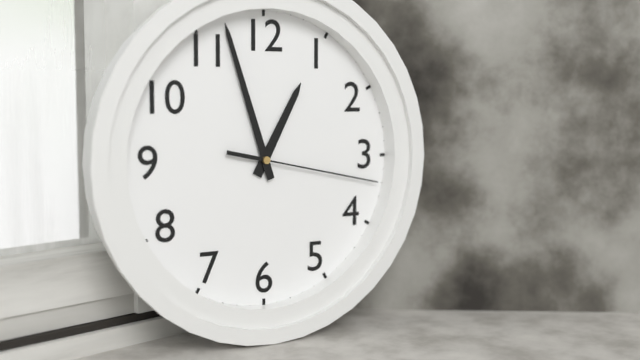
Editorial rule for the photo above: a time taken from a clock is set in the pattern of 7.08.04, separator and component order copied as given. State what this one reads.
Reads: 12.57.17
